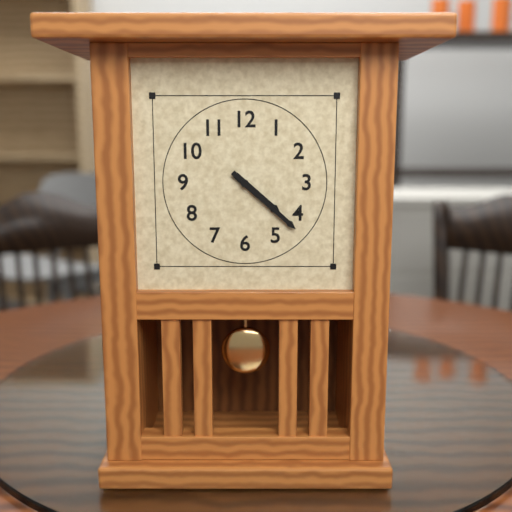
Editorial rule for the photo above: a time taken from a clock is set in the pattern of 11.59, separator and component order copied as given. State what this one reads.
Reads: 4.22
